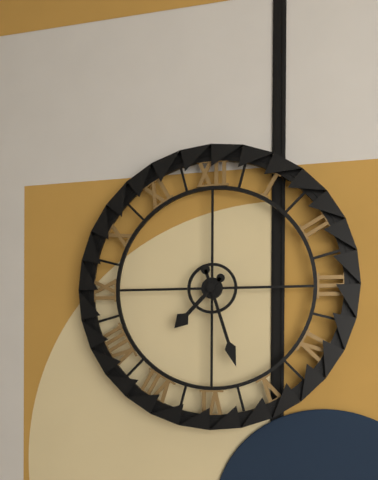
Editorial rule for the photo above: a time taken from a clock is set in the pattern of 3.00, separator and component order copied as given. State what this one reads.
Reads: 7.27
